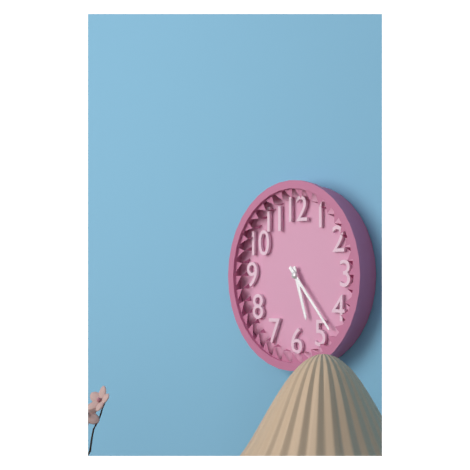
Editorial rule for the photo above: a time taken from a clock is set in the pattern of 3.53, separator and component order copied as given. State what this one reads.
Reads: 5.23
